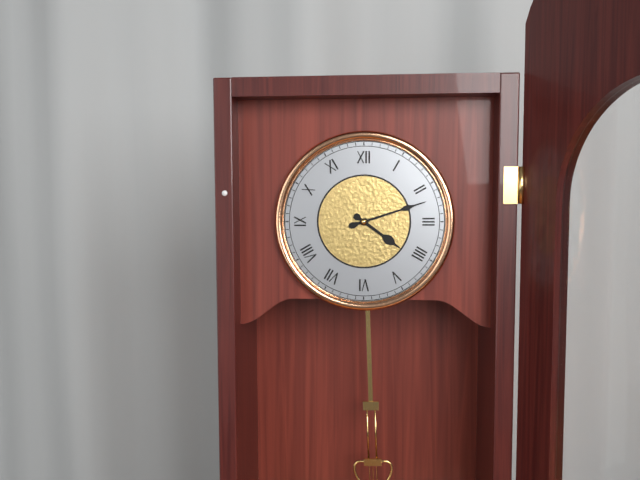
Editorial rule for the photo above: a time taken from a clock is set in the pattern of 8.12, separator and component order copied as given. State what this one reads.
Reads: 4.12
